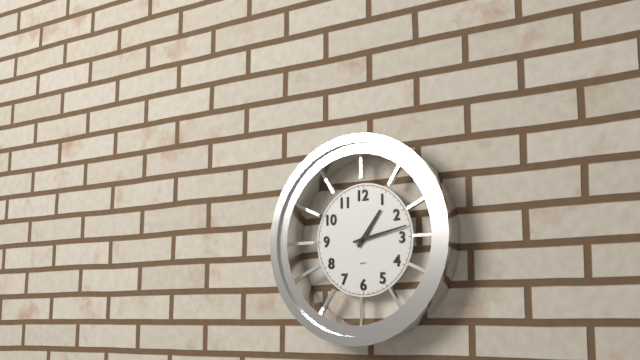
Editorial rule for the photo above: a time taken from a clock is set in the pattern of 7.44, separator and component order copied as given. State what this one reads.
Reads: 1.13
